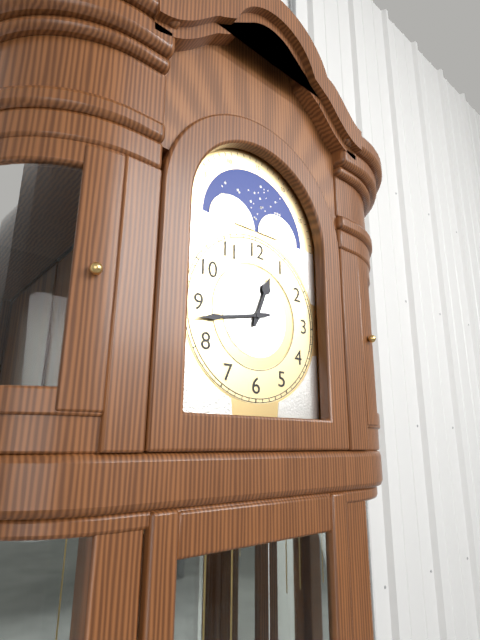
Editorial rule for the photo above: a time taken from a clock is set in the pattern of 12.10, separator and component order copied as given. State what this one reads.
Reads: 12.43
